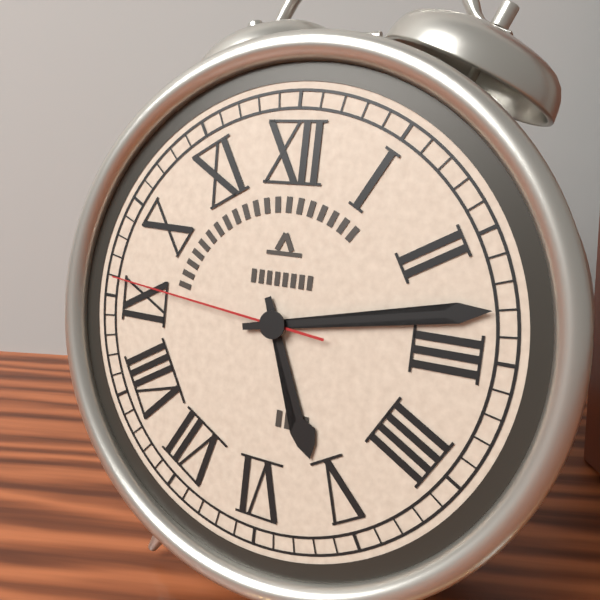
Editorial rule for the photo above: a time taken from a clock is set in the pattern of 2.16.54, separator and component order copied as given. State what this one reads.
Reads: 5.13.46
